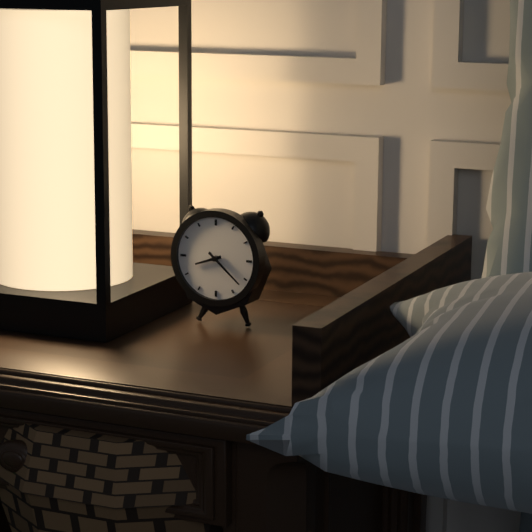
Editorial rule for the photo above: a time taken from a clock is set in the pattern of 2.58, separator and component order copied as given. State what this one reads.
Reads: 8.22
